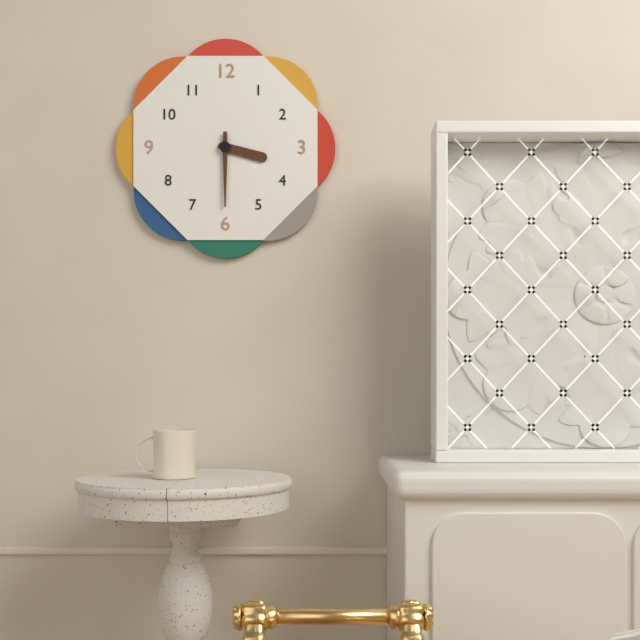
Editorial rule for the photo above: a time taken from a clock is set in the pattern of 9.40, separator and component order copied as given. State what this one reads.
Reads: 3.30
